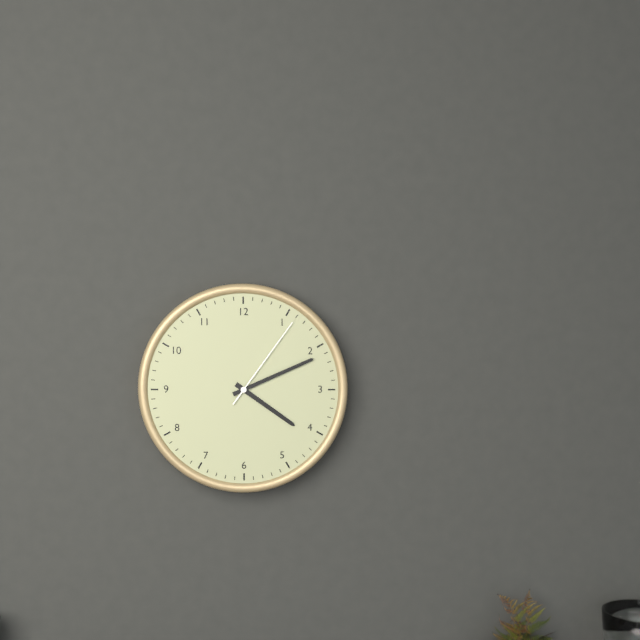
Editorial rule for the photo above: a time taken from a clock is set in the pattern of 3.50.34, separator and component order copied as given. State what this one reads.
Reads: 4.11.06
